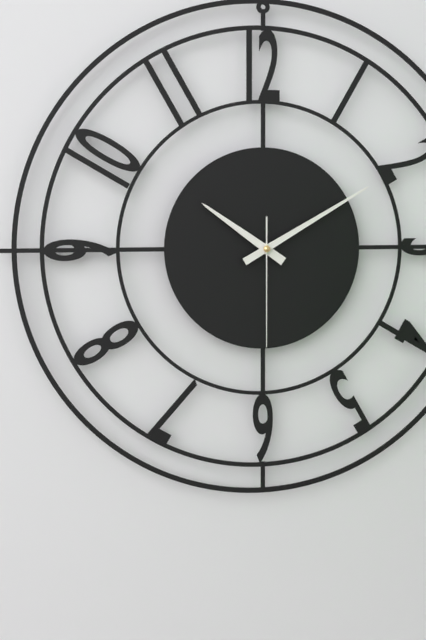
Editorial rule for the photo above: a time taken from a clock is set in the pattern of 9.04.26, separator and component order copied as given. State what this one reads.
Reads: 10.10.30
